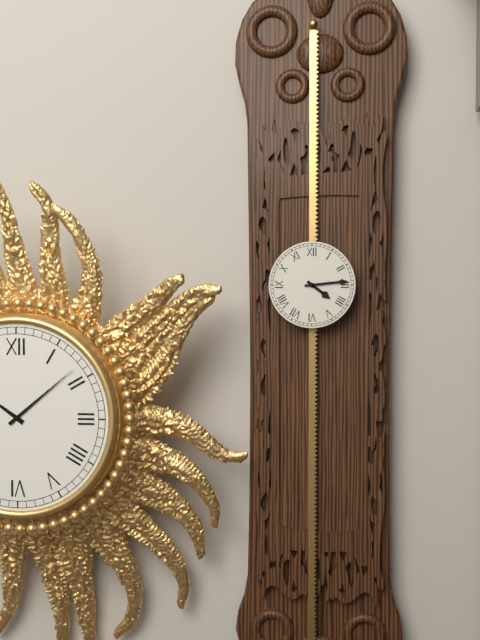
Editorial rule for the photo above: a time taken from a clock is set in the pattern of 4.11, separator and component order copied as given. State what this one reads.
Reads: 4.14
